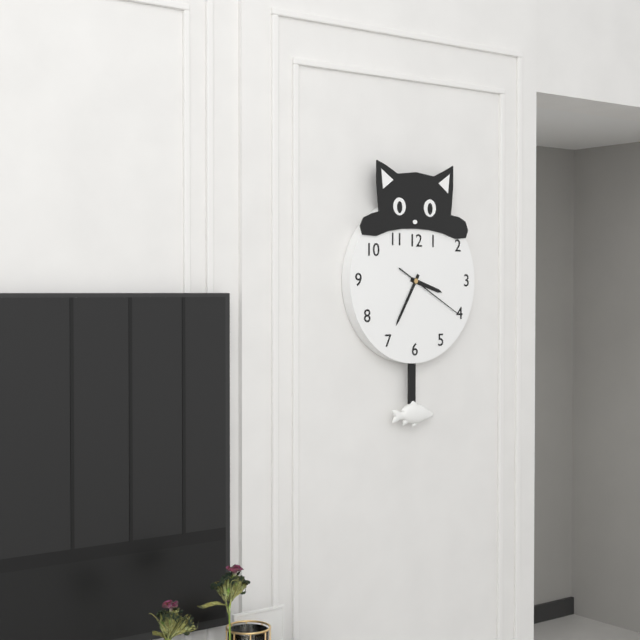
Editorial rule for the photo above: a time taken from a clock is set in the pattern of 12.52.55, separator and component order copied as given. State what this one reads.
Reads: 3.35.20
